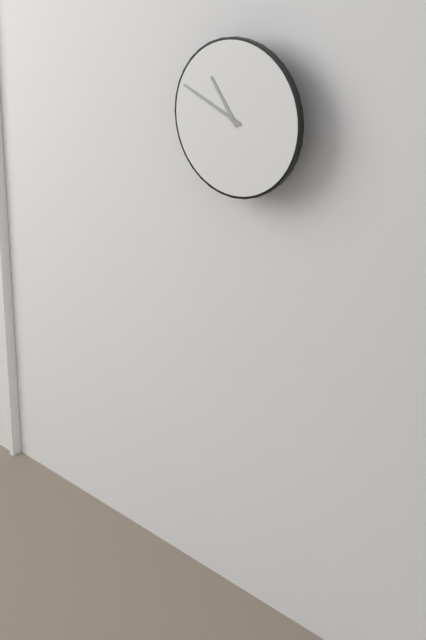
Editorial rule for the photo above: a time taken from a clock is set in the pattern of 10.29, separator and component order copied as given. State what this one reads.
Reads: 10.49
